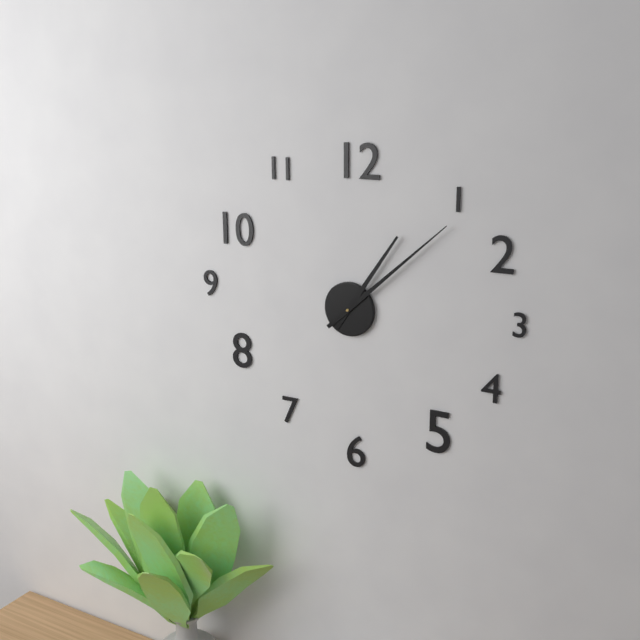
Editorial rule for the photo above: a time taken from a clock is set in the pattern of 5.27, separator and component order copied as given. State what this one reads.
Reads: 1.08
